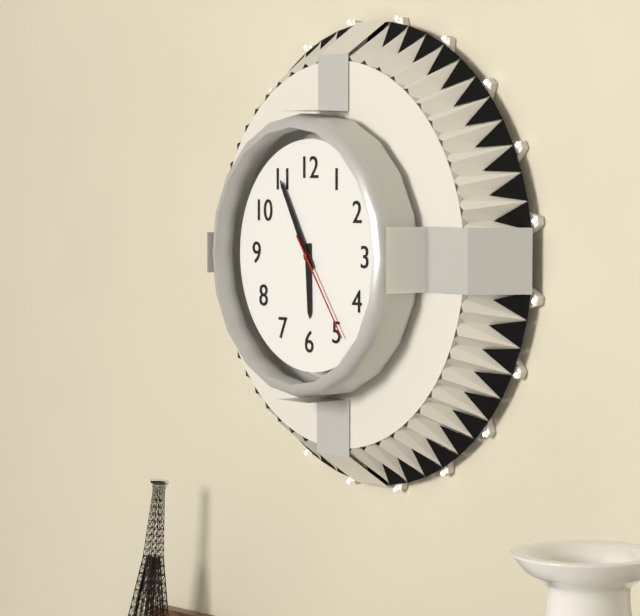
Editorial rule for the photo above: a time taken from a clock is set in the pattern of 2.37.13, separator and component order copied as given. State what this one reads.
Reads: 5.55.24
